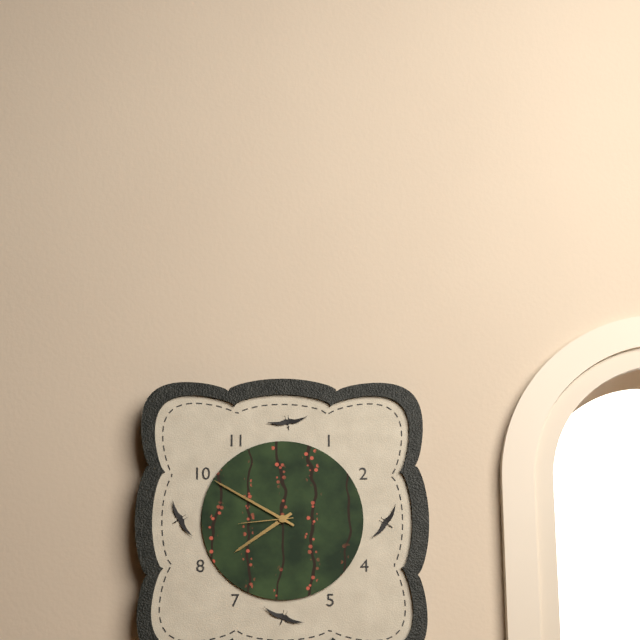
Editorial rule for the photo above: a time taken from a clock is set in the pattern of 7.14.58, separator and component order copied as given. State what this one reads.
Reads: 7.50.44
